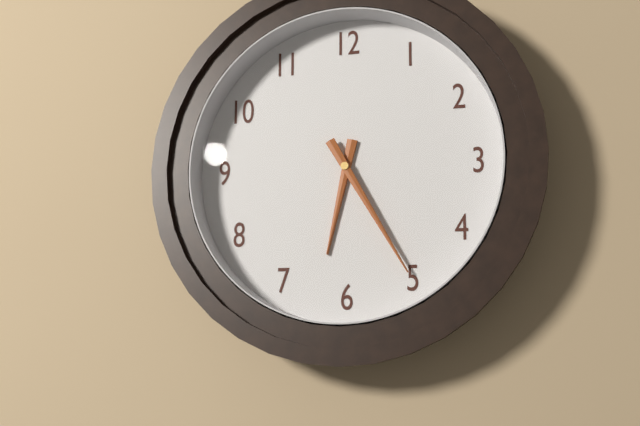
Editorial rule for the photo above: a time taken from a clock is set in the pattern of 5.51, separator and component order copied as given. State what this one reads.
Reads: 6.25
